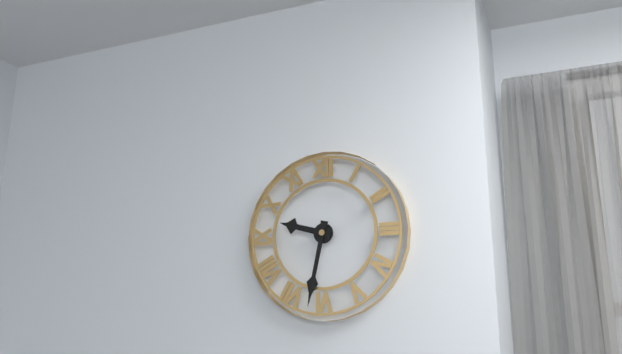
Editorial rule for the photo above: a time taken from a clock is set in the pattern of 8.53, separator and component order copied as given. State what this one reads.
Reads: 9.32
